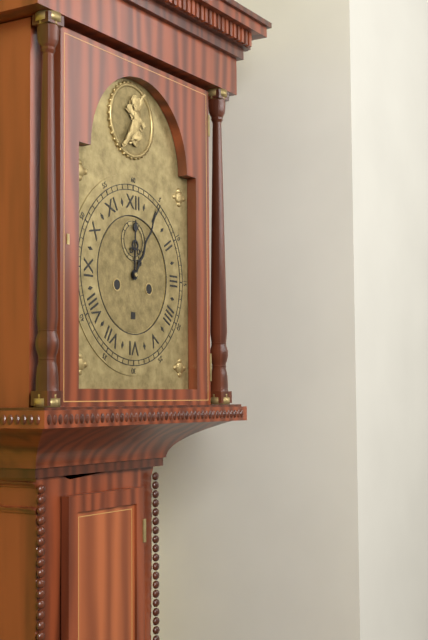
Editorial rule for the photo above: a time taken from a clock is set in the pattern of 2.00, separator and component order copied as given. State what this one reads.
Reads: 12.05
